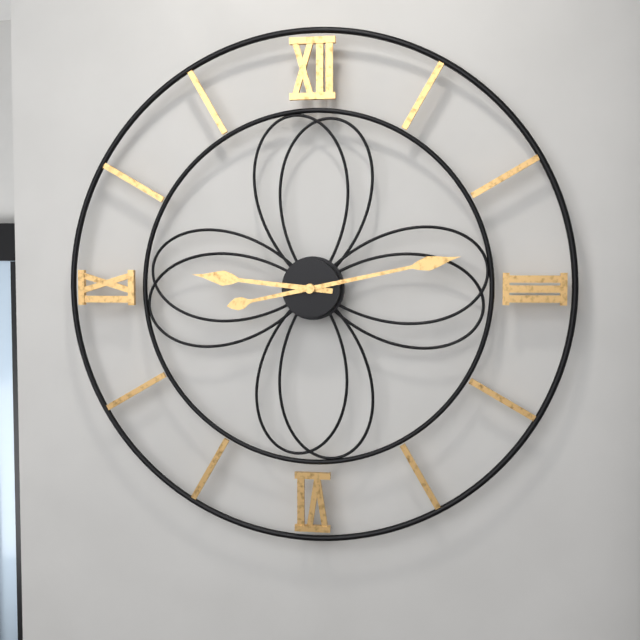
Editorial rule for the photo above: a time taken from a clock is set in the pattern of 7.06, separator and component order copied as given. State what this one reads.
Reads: 9.13
